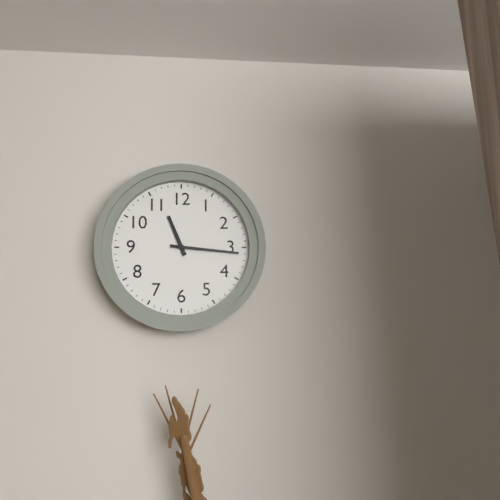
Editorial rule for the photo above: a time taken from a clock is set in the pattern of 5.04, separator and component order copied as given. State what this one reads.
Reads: 11.16
